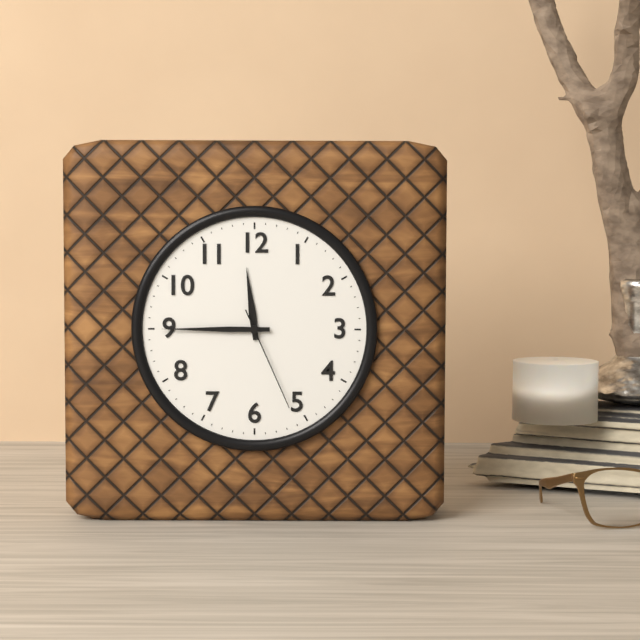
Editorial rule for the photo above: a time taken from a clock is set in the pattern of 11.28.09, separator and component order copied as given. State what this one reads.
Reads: 11.45.26
